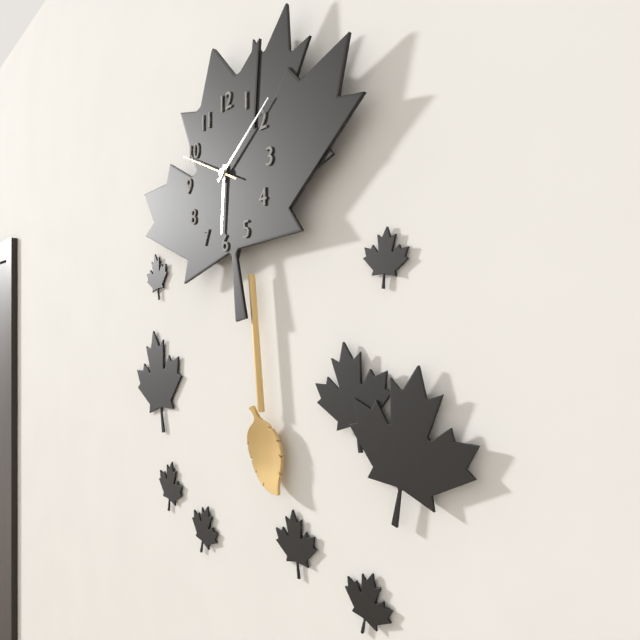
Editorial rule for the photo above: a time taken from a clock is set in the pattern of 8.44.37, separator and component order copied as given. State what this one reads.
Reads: 6.09.49
